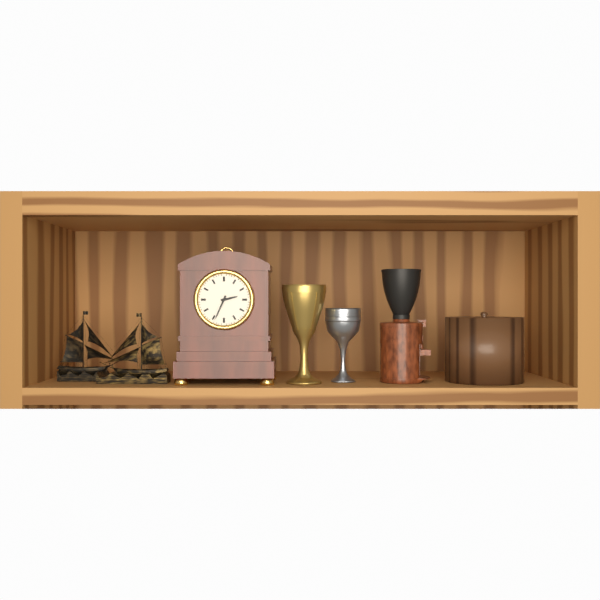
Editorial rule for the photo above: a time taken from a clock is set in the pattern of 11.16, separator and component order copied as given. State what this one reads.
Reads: 2.34
